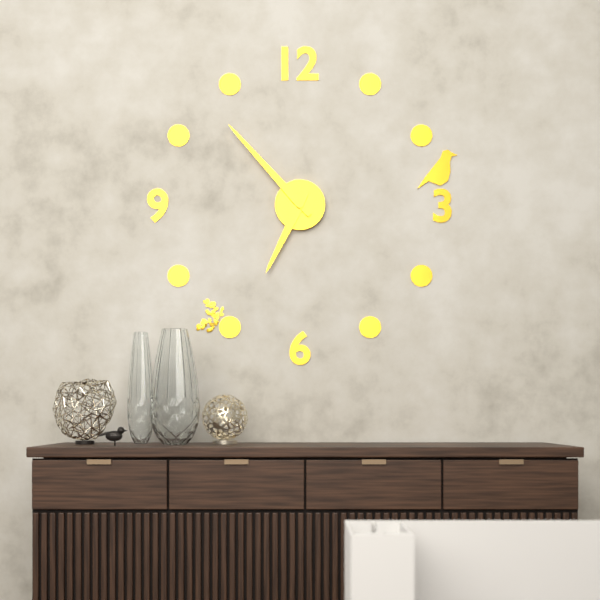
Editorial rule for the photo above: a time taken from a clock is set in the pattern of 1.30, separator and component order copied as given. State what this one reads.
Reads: 6.53
